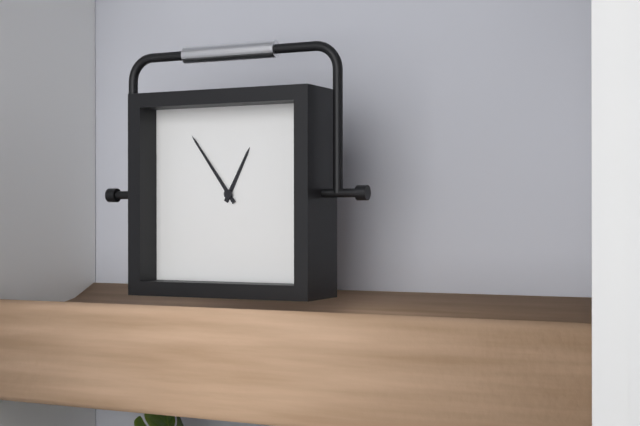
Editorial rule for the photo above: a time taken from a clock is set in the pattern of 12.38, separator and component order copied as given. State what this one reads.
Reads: 12.54
